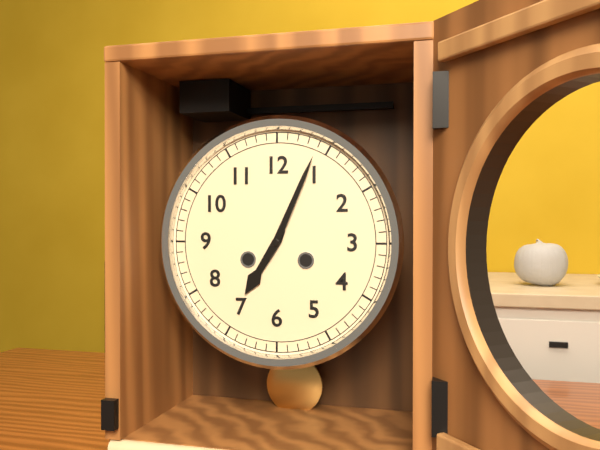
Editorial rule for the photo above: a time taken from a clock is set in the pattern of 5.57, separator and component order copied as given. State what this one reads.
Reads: 7.04
